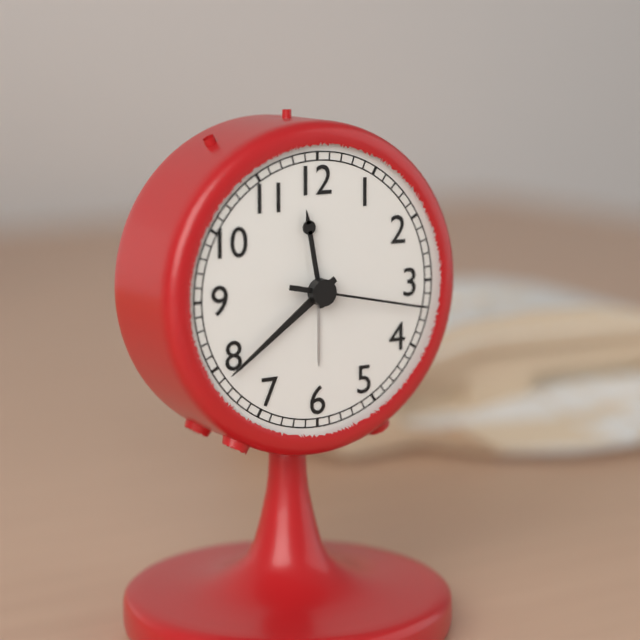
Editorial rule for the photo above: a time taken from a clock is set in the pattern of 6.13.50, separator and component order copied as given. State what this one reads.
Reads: 11.39.17
